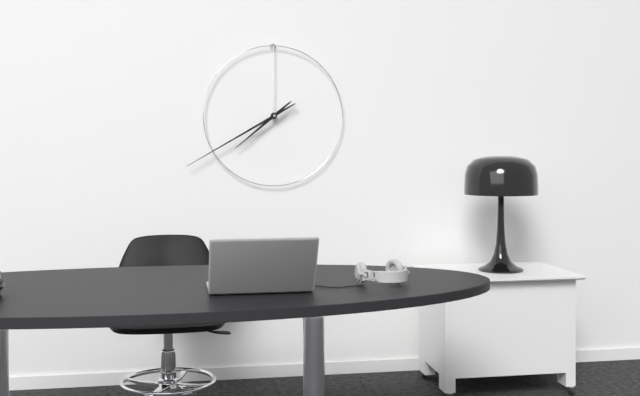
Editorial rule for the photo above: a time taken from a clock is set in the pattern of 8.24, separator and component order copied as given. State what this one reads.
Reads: 7.40
